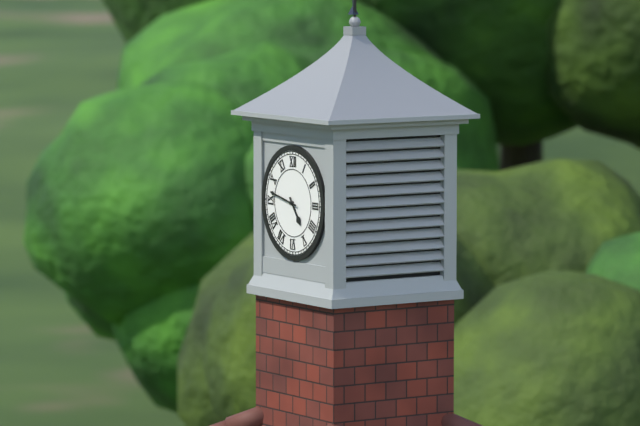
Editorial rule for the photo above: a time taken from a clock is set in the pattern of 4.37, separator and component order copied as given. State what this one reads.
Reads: 4.47
